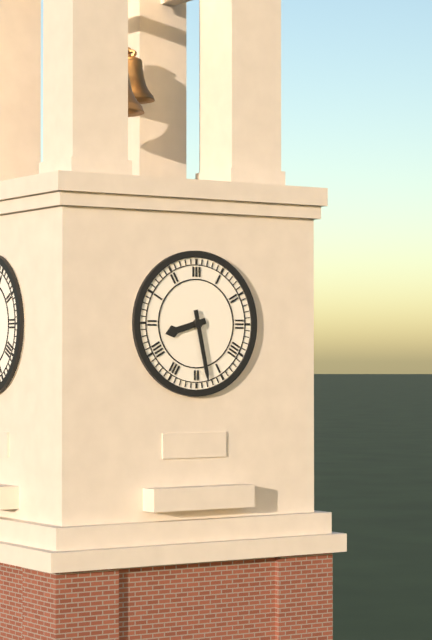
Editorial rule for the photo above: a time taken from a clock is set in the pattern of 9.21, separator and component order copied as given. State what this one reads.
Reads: 8.28
